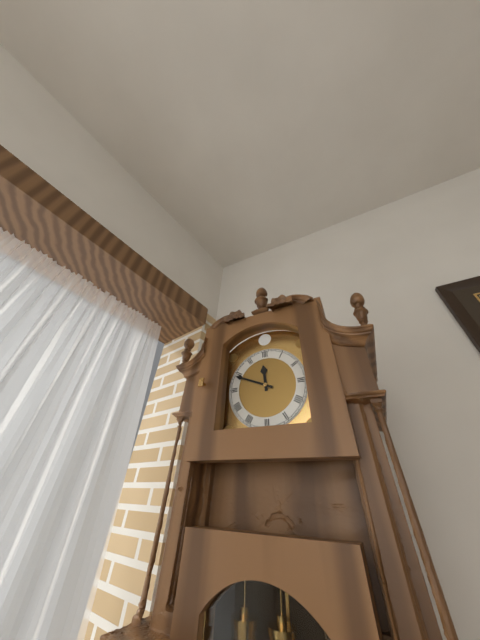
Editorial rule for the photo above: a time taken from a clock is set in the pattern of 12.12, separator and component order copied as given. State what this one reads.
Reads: 11.49
